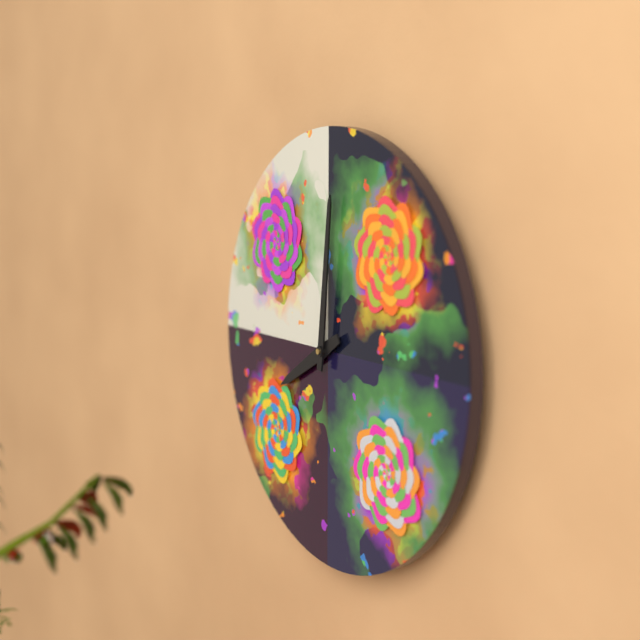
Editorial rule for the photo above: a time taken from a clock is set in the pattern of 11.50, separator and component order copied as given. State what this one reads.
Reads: 8.01
